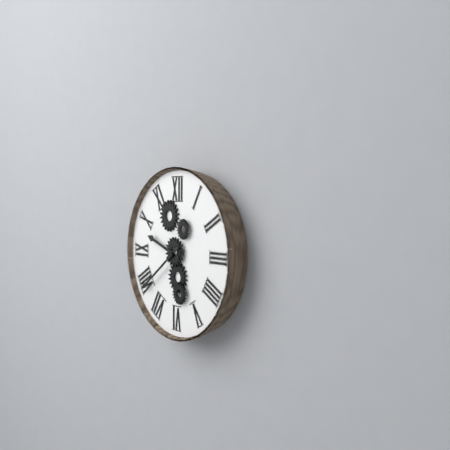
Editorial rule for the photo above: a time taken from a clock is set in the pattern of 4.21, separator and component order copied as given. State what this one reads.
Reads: 9.39
